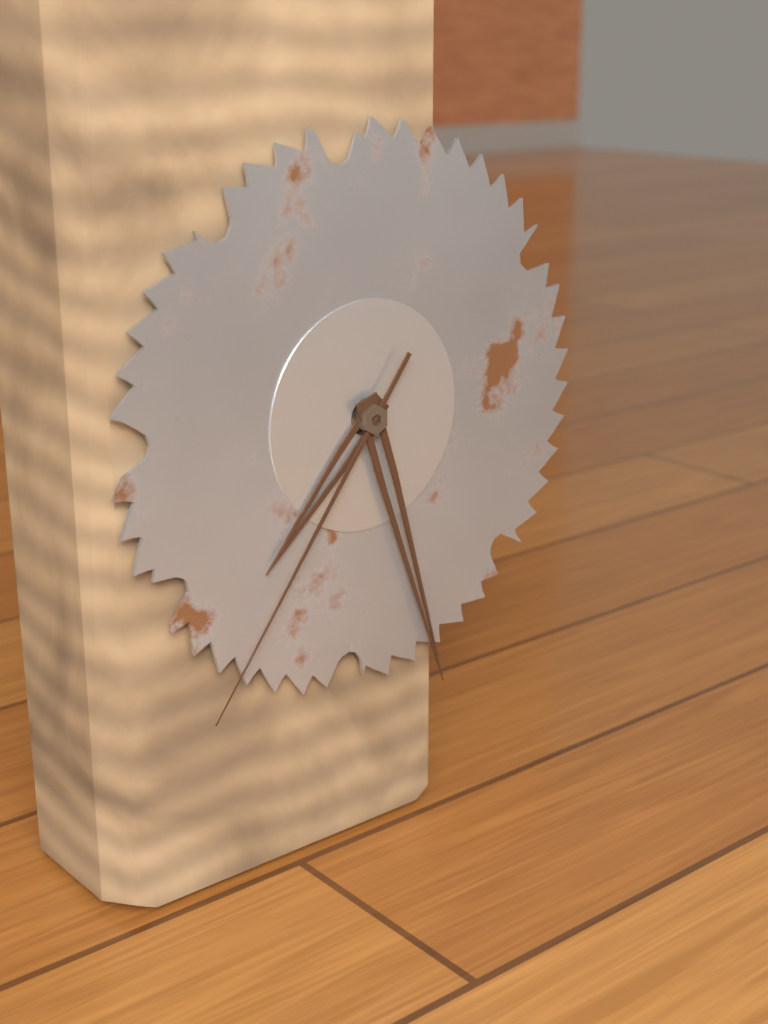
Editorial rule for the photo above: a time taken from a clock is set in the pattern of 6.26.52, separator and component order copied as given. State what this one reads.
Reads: 7.27.36
